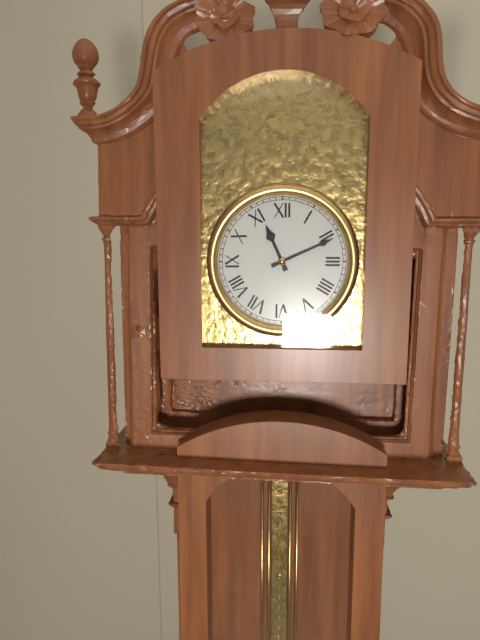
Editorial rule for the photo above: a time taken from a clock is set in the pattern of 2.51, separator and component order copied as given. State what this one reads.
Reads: 11.11
